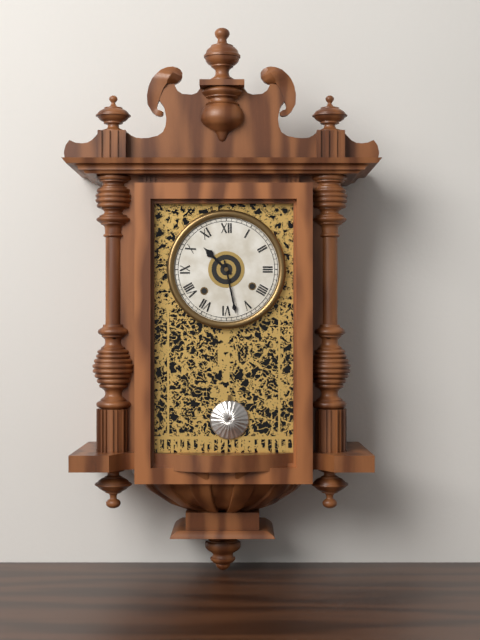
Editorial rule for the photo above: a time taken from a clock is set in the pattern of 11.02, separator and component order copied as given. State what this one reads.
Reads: 10.28
